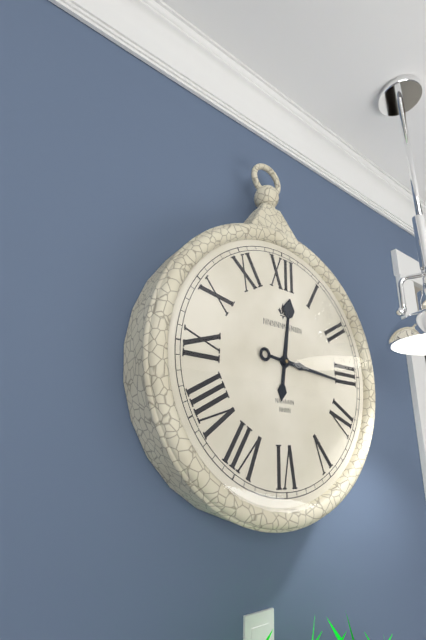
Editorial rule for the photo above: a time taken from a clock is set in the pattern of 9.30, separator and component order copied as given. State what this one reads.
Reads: 12.16
